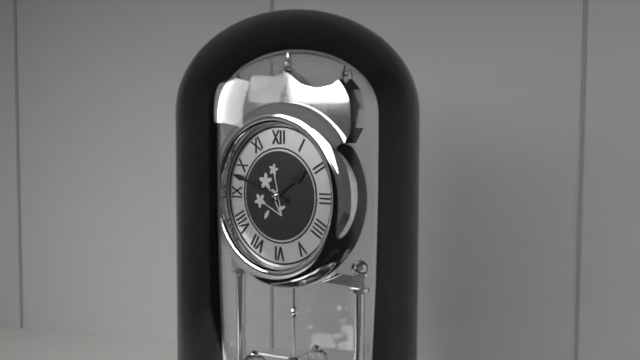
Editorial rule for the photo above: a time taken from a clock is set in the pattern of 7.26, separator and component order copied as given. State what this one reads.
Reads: 1.48
